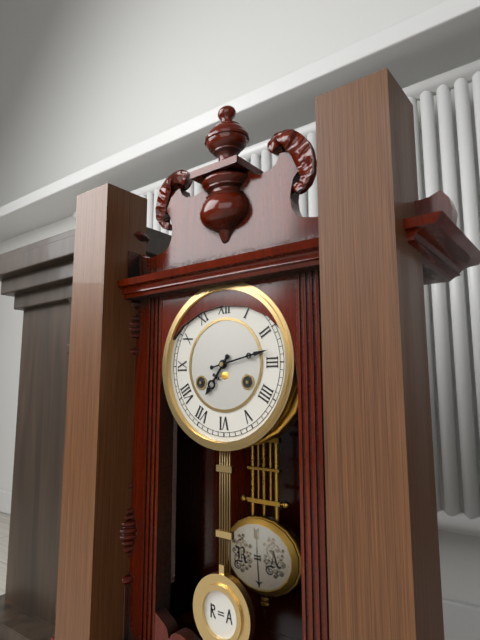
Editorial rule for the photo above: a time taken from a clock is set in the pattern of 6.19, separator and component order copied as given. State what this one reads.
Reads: 7.13
